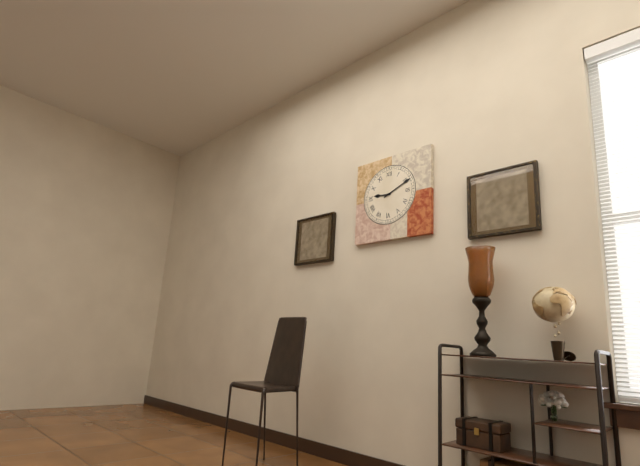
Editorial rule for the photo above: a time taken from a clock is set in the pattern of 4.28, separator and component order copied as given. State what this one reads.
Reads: 9.11
